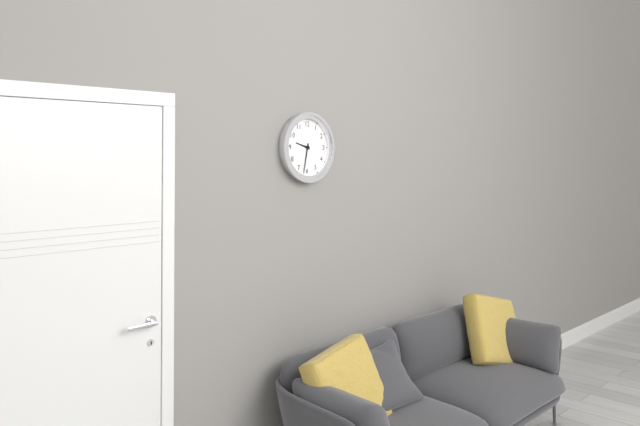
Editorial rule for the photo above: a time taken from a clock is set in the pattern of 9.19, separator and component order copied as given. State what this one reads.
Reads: 9.32
